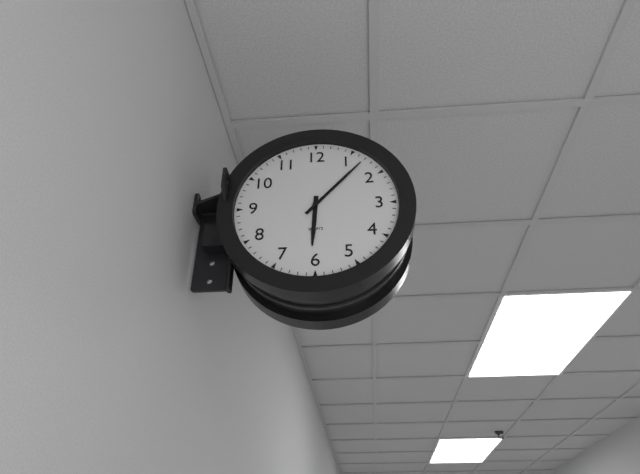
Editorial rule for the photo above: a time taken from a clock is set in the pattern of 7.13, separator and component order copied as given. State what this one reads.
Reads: 6.07
